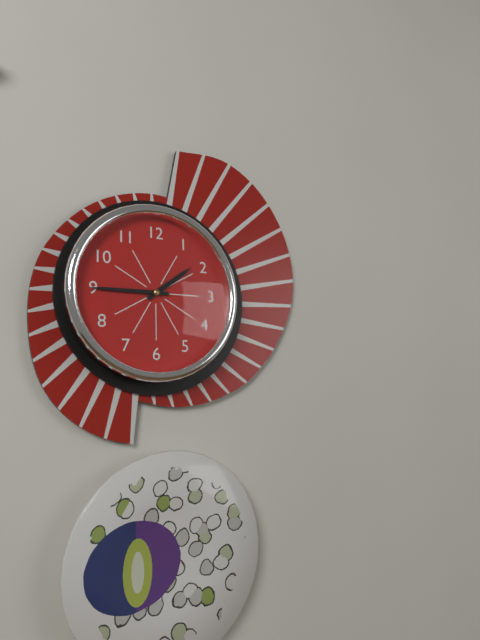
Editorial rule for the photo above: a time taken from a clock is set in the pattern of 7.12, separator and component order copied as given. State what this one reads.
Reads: 1.45
